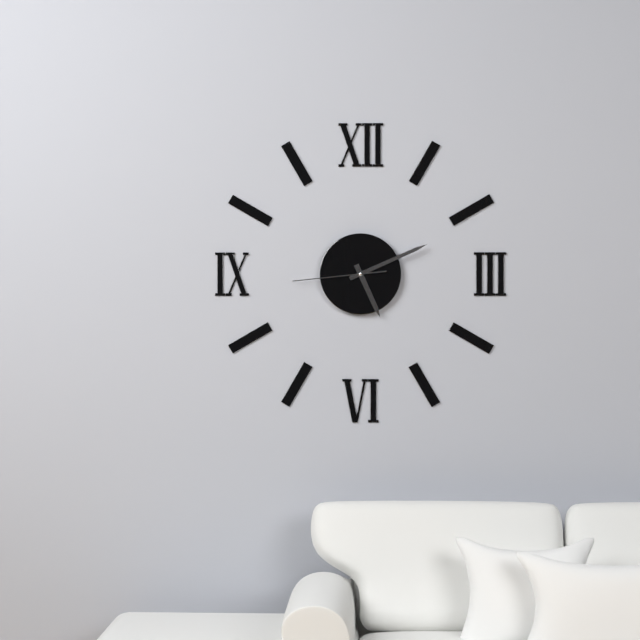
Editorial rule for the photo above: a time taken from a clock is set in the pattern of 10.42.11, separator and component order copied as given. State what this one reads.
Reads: 5.11.44
